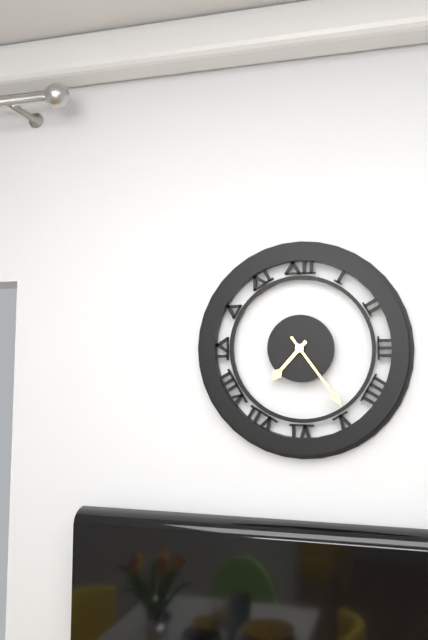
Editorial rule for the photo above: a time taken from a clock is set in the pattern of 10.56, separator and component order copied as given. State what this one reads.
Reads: 7.24
